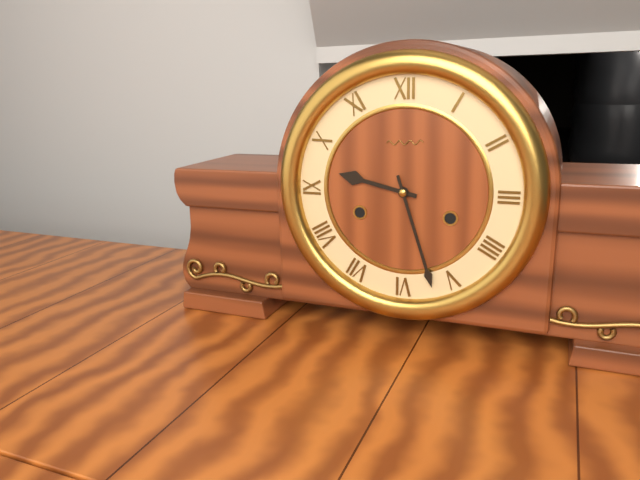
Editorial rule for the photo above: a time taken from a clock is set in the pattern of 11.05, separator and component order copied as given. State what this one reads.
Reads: 9.27
